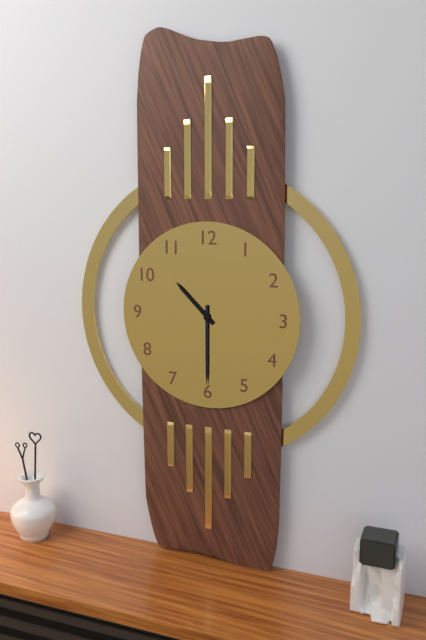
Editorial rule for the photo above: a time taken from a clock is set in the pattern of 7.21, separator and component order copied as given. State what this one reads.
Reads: 10.30
